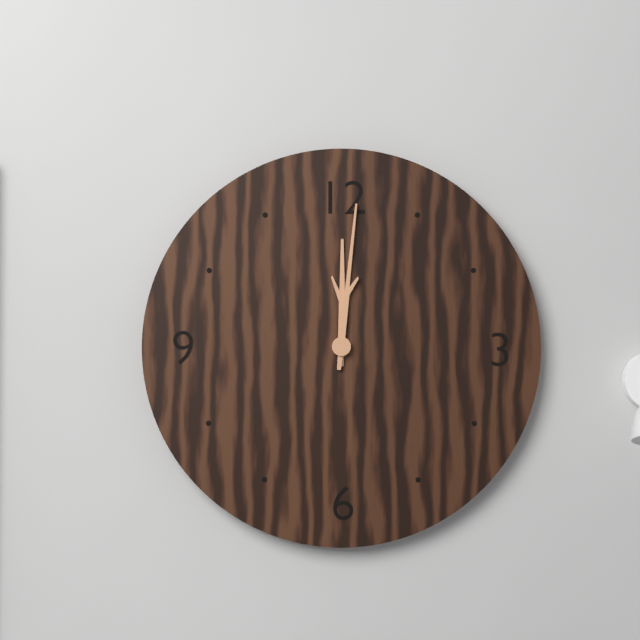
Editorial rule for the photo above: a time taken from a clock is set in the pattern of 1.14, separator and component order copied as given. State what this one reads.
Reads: 12.01
